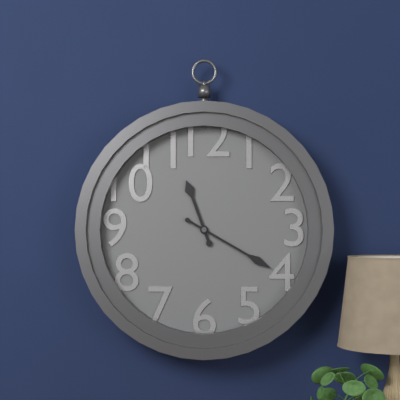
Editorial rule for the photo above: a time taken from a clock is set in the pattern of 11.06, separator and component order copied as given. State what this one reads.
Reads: 11.20
